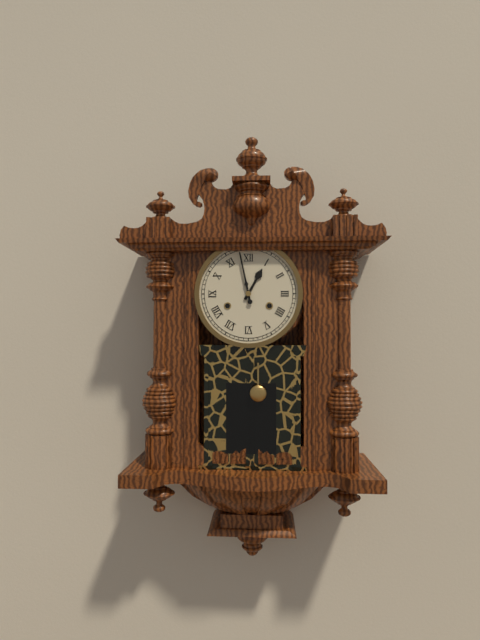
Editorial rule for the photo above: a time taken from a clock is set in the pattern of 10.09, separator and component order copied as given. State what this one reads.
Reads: 12.58
